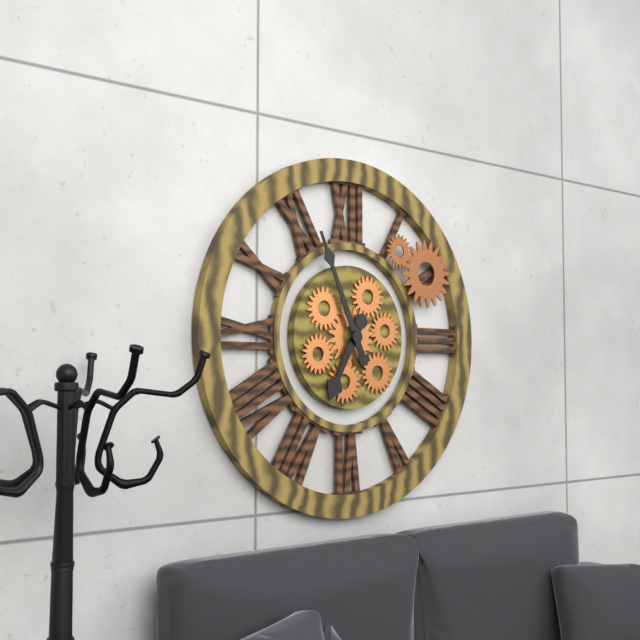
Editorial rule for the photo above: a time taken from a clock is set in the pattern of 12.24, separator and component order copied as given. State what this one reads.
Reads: 6.56
